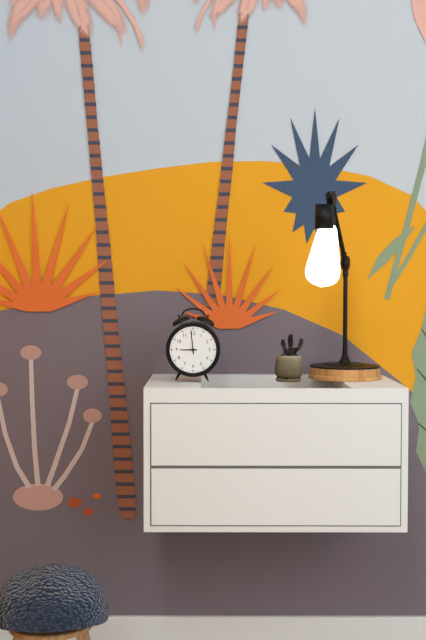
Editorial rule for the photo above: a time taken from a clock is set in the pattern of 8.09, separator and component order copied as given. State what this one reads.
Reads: 8.59
